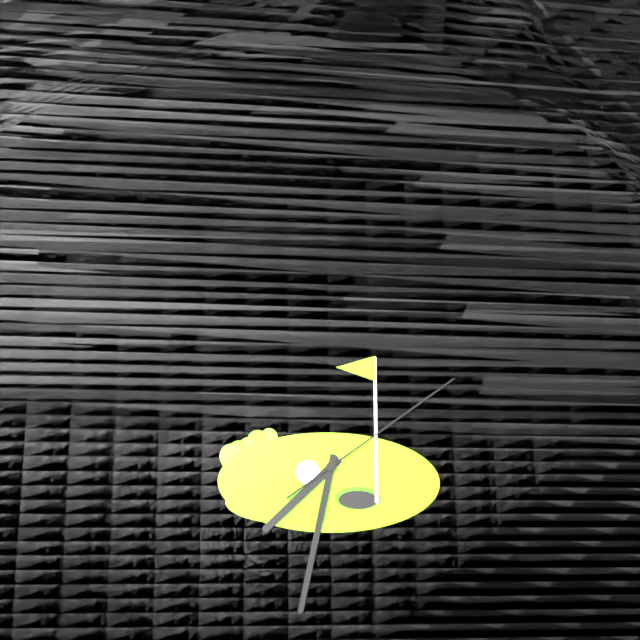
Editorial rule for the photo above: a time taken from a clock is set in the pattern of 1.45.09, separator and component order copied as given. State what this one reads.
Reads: 7.32.09
